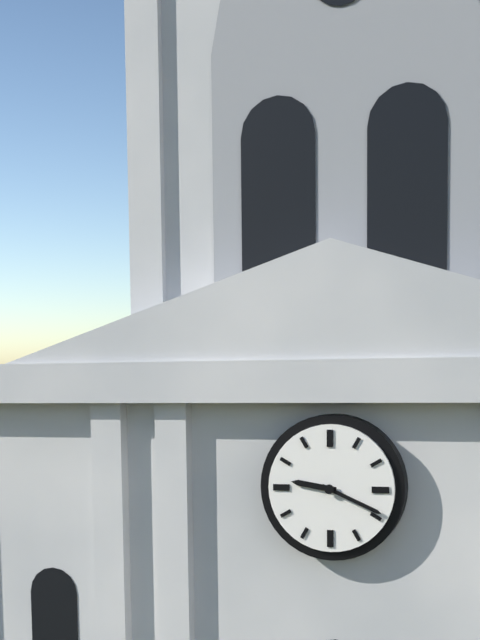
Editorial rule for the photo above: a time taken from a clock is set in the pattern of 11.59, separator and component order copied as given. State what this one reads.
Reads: 9.19
